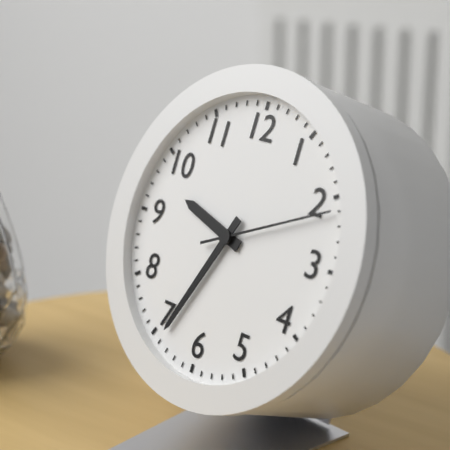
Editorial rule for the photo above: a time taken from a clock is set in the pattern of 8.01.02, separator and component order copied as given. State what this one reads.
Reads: 9.34.11
